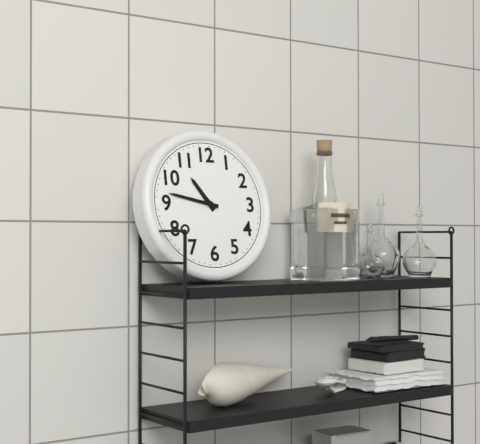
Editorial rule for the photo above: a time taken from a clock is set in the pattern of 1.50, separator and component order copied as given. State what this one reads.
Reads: 10.47
